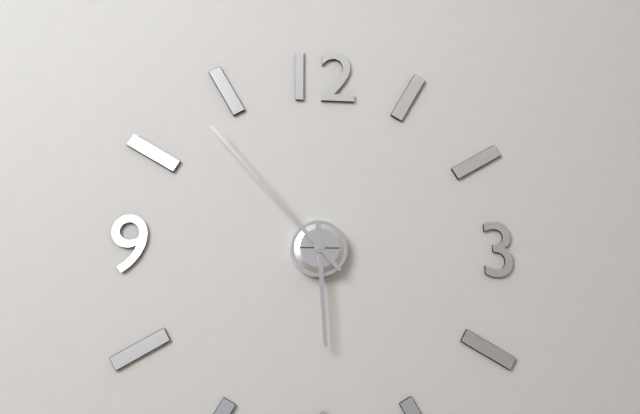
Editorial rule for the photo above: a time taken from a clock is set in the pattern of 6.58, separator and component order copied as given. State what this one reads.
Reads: 5.53
